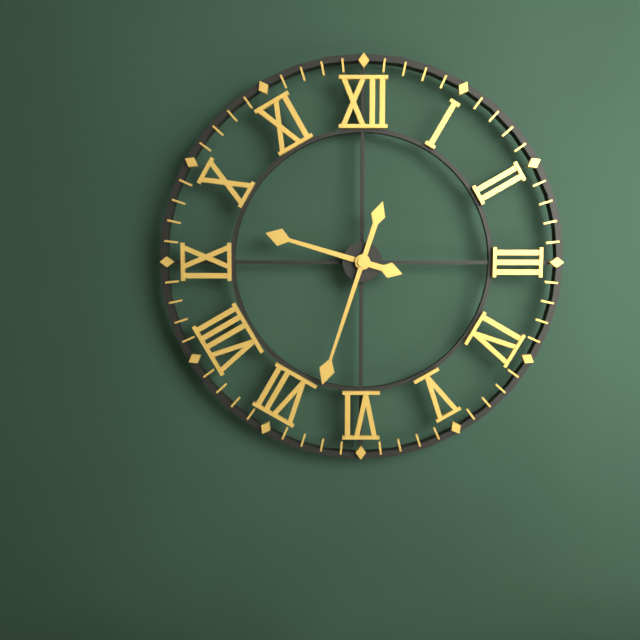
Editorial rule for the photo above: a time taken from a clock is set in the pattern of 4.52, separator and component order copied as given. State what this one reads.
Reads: 9.33
